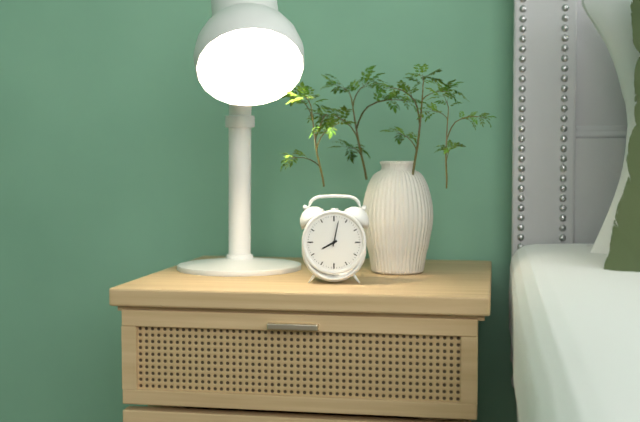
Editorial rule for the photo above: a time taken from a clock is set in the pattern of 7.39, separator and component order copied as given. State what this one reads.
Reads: 8.02
